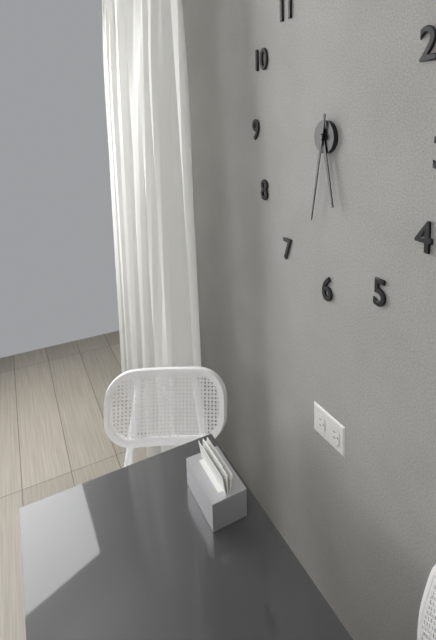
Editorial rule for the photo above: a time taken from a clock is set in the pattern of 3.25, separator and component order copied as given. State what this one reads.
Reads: 5.32
